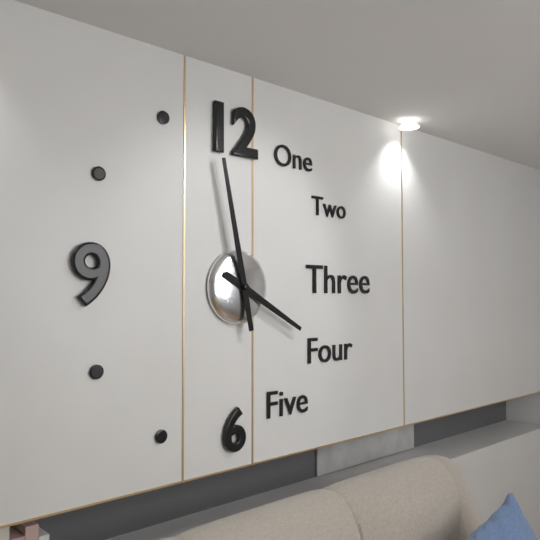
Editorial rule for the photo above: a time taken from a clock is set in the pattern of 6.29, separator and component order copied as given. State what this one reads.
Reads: 3.58
